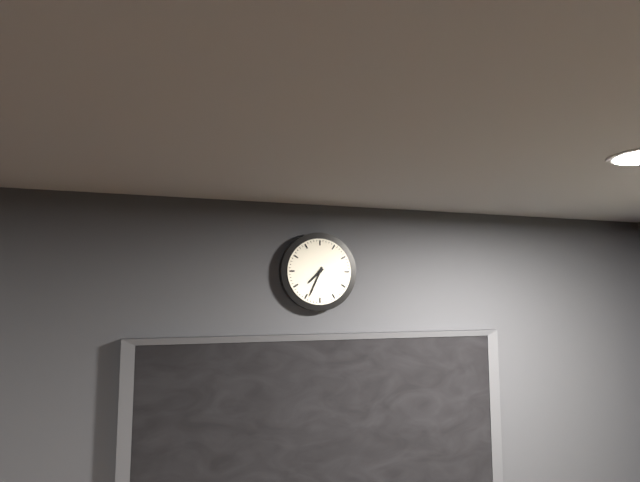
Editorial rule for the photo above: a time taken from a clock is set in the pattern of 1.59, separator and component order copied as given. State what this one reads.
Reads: 7.34
